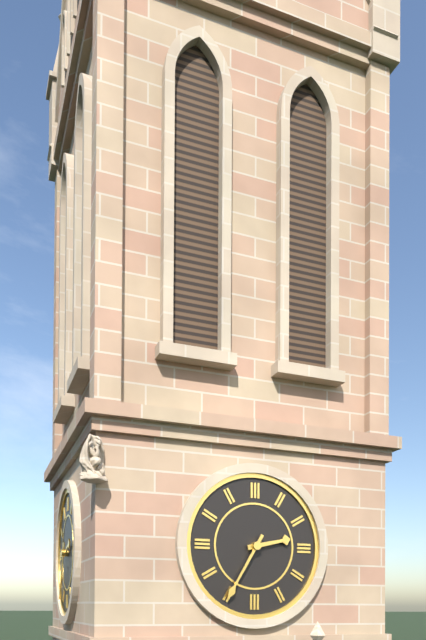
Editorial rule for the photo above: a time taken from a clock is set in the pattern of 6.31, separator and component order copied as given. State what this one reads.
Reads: 2.35
